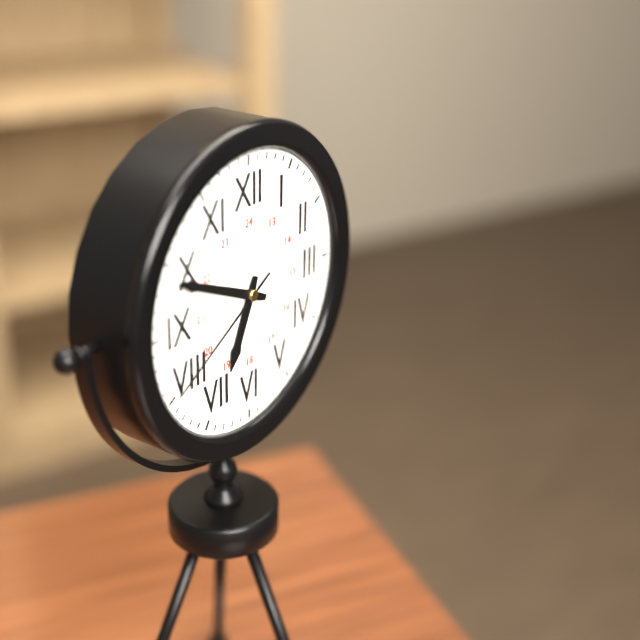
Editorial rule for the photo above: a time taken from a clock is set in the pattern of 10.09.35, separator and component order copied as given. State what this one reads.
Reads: 6.49.40
